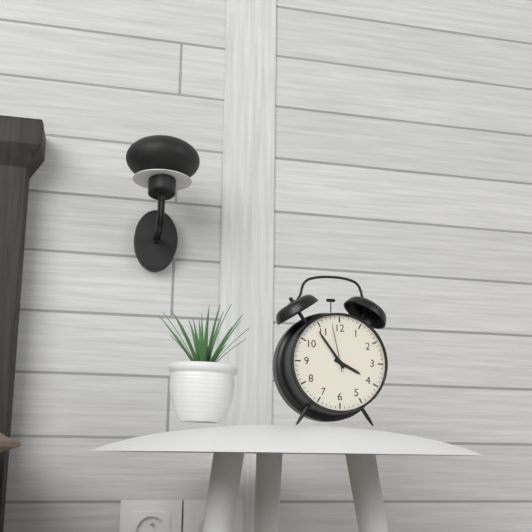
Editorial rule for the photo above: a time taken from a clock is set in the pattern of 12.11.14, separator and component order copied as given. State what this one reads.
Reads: 3.54.58
